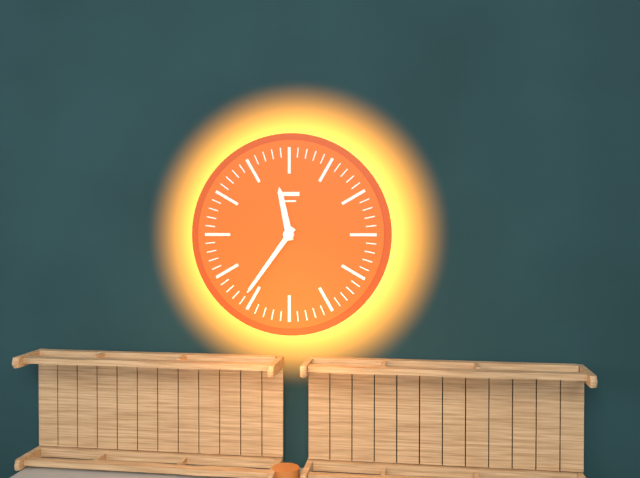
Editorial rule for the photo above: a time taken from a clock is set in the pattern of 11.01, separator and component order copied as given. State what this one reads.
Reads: 11.36
